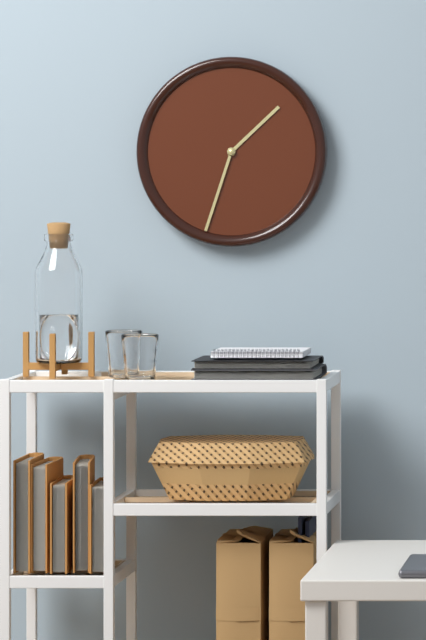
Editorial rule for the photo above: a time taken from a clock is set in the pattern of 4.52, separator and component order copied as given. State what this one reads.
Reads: 1.33
